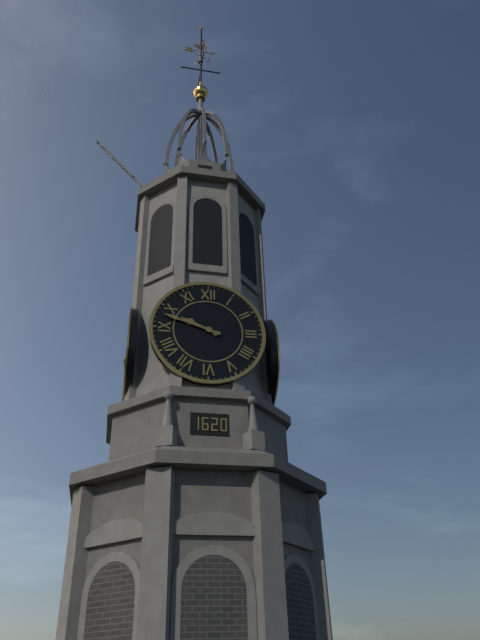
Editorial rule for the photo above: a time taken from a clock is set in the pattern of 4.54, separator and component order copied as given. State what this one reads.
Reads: 9.48
